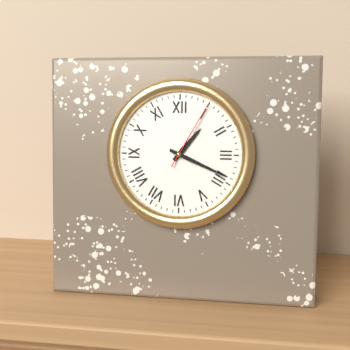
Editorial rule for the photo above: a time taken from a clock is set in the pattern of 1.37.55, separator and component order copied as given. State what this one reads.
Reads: 1.19.05
